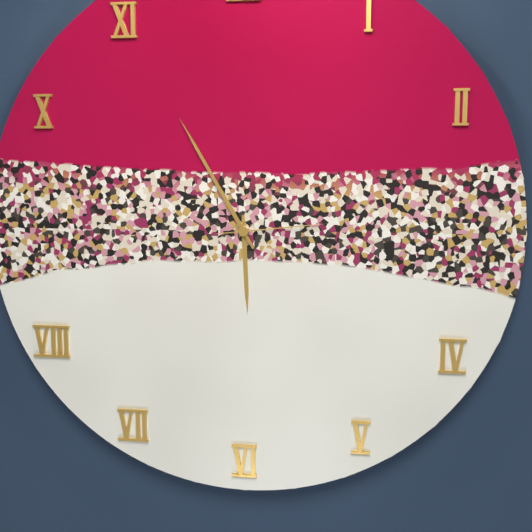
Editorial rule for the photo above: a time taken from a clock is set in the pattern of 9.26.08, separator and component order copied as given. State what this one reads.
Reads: 5.55.14
